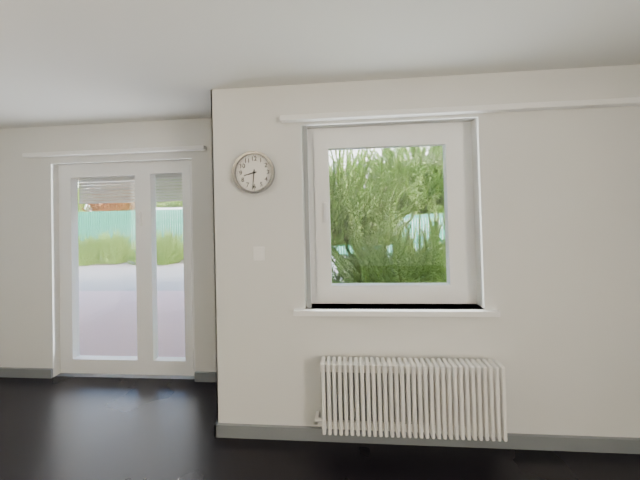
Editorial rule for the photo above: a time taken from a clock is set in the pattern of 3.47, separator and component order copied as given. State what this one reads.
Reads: 8.31
